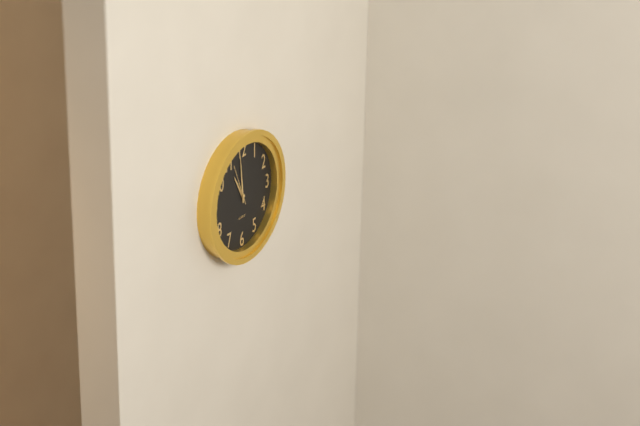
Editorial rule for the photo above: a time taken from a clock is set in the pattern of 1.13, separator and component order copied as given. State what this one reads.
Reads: 10.59
